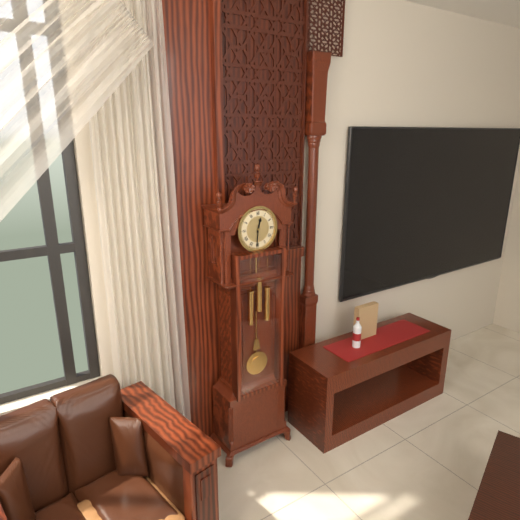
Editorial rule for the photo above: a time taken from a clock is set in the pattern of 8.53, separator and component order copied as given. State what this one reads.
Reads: 12.31
